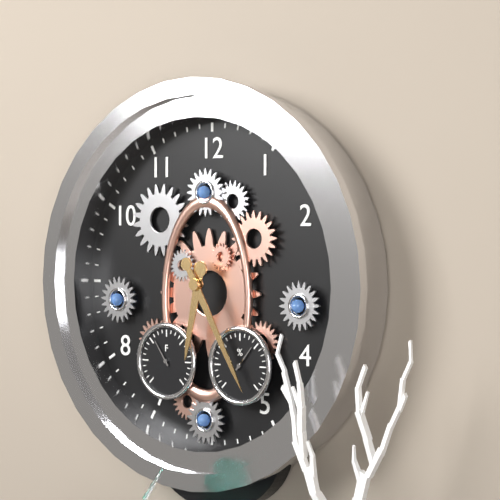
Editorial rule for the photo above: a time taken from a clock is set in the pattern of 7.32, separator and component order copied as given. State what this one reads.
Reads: 6.25
